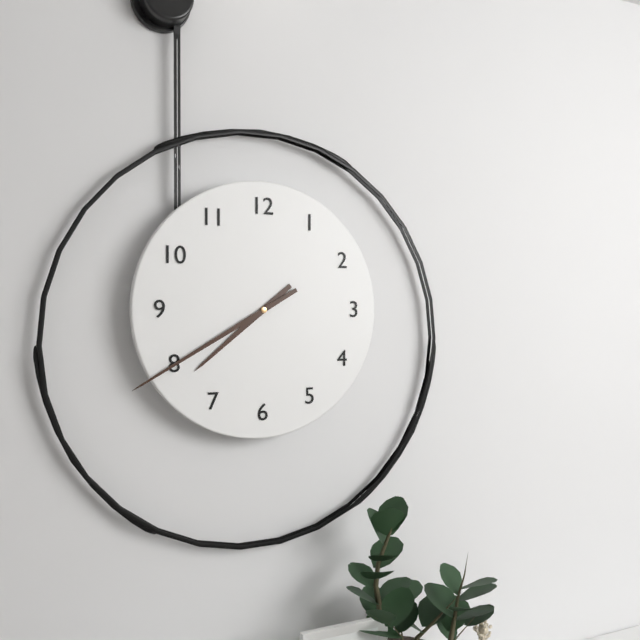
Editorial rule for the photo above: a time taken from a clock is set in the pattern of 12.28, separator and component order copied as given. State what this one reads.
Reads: 7.40
